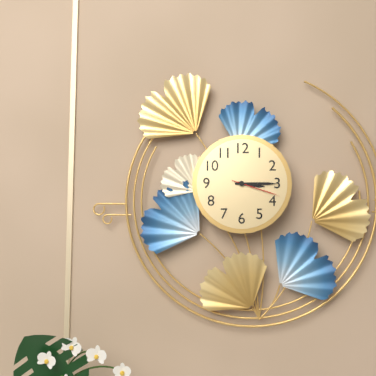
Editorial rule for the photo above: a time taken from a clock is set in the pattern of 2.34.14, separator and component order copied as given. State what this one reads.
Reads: 3.15.18
